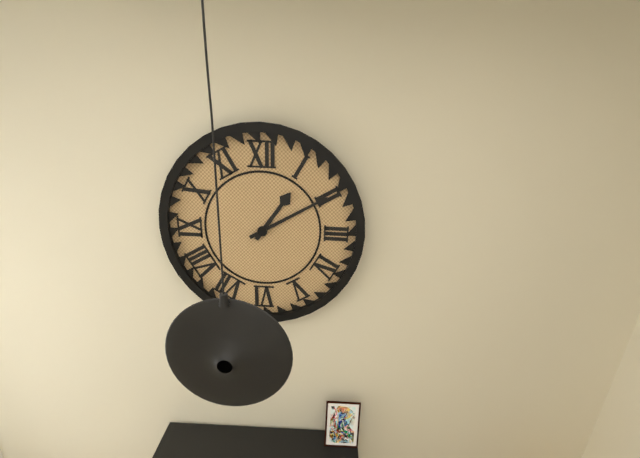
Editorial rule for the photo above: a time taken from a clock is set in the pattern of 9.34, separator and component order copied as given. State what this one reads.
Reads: 1.10
